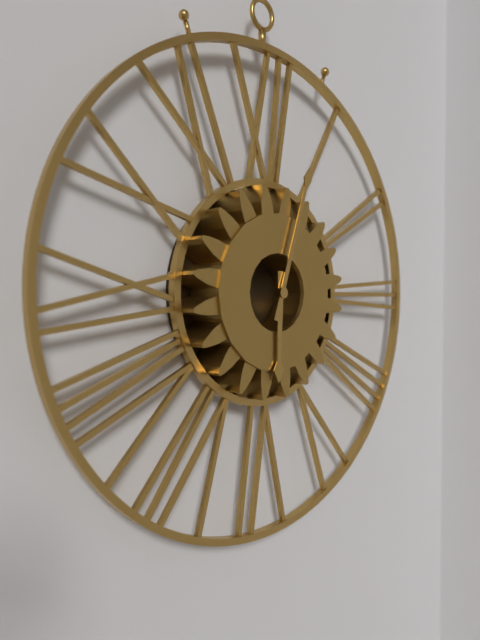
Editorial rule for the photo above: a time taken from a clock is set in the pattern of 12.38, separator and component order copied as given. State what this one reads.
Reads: 6.03
